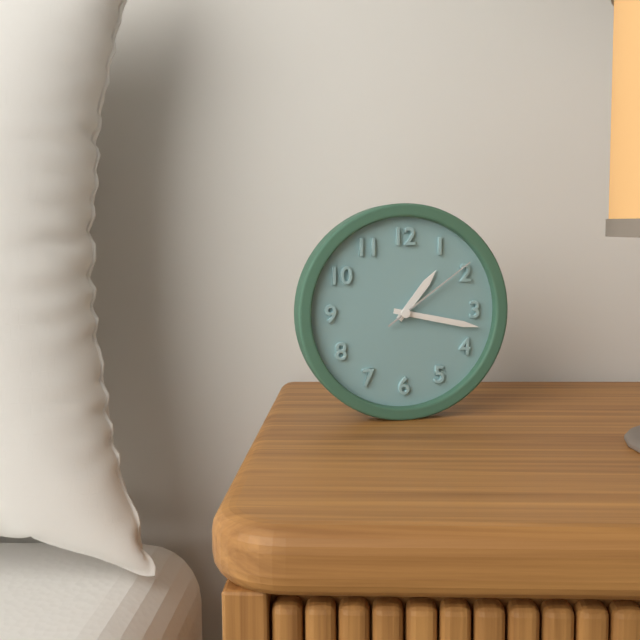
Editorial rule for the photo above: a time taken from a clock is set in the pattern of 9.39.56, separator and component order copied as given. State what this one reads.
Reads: 1.17.09
